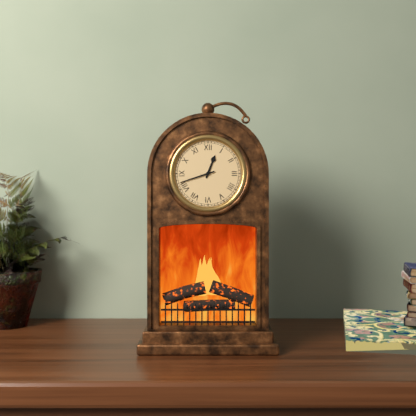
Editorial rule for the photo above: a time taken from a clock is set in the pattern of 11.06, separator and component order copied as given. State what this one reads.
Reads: 12.42
